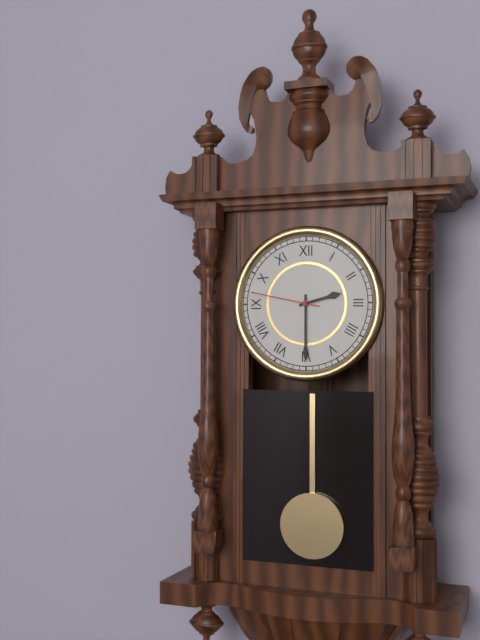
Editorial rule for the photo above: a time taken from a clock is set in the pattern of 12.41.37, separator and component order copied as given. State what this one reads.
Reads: 2.30.47
